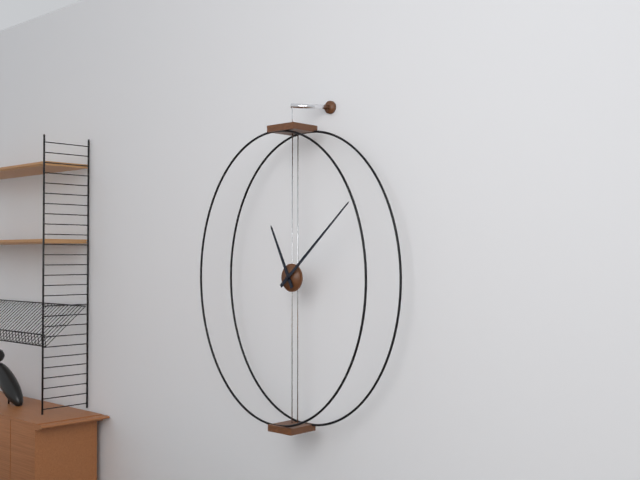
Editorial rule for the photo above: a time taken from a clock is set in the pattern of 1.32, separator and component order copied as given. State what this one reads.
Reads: 11.08
